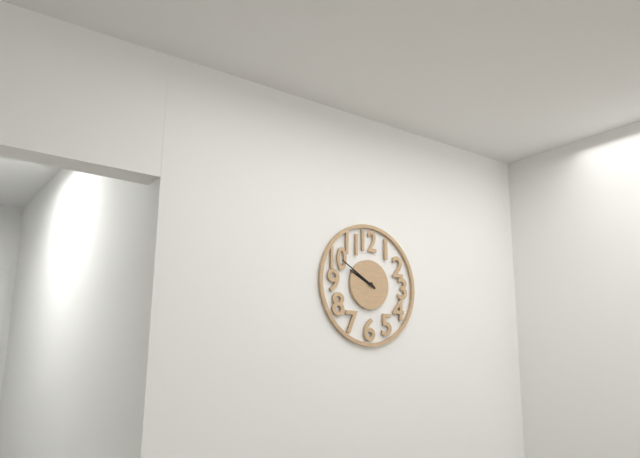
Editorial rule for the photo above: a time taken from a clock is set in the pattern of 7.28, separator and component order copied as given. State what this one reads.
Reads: 9.50
